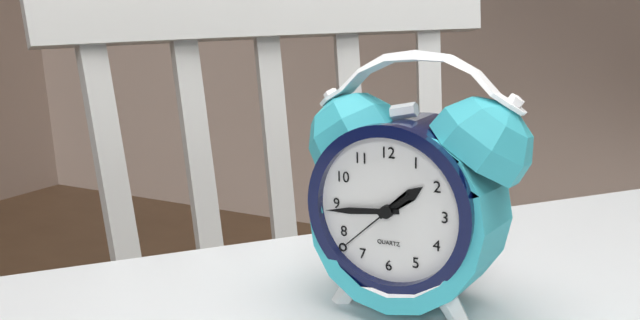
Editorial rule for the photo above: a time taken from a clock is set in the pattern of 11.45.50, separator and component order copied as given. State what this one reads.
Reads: 1.44.38
